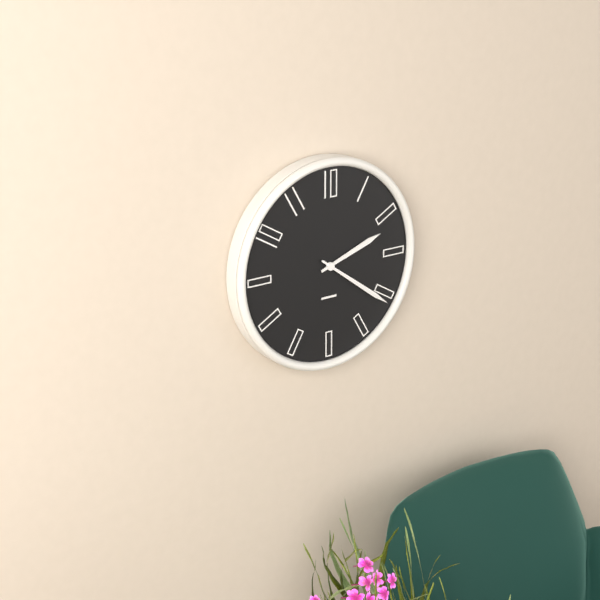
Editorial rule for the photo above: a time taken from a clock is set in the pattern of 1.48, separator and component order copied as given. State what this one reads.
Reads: 2.21
